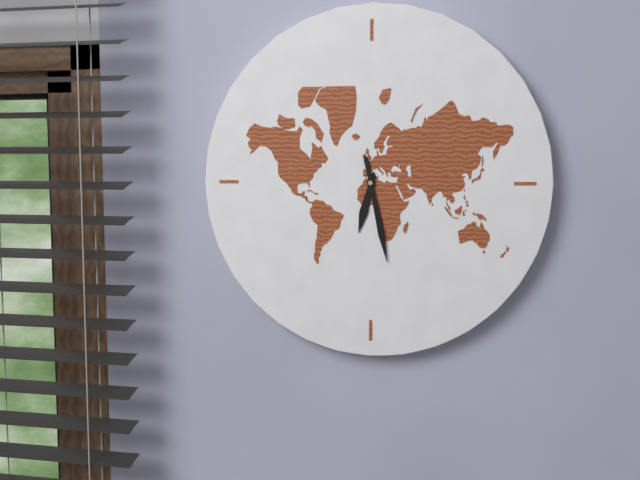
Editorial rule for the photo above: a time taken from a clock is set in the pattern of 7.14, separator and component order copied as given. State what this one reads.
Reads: 6.28
